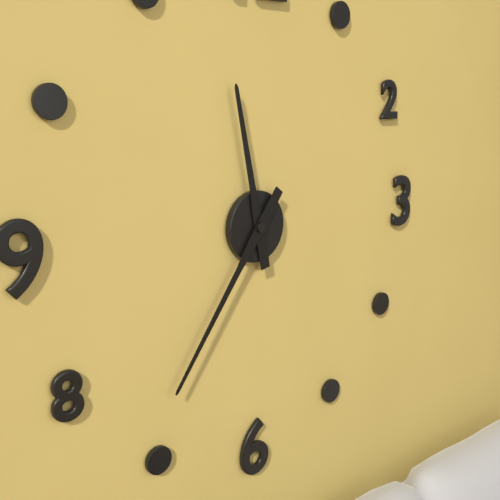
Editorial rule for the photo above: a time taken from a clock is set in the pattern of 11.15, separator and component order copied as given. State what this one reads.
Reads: 11.36
